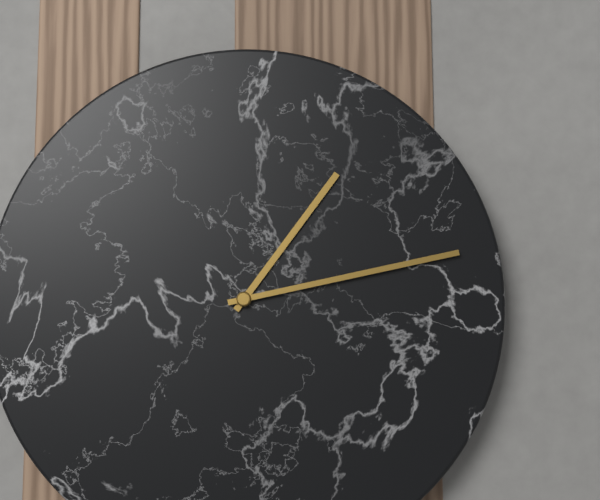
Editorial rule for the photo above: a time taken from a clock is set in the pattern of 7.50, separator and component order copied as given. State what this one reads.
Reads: 1.13
